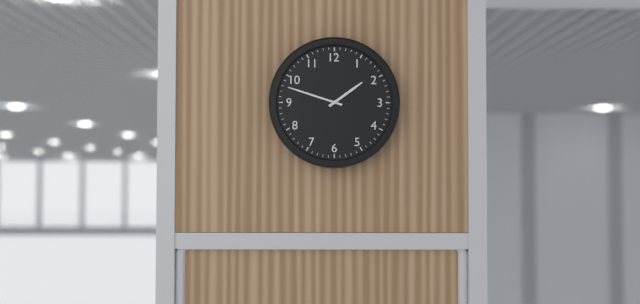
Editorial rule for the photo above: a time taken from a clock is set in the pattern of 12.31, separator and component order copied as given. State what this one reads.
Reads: 1.48
